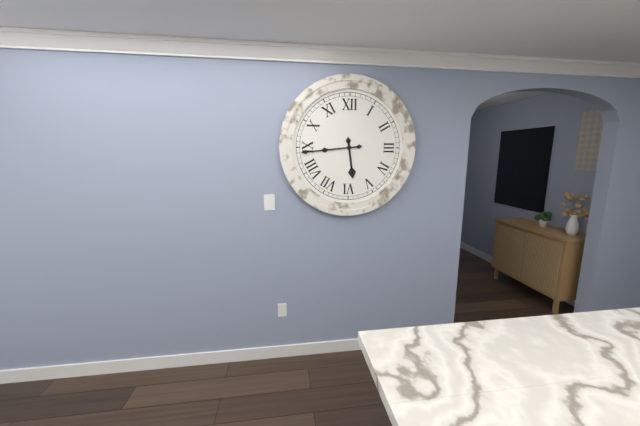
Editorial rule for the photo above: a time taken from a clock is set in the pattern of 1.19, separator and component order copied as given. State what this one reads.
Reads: 5.44
